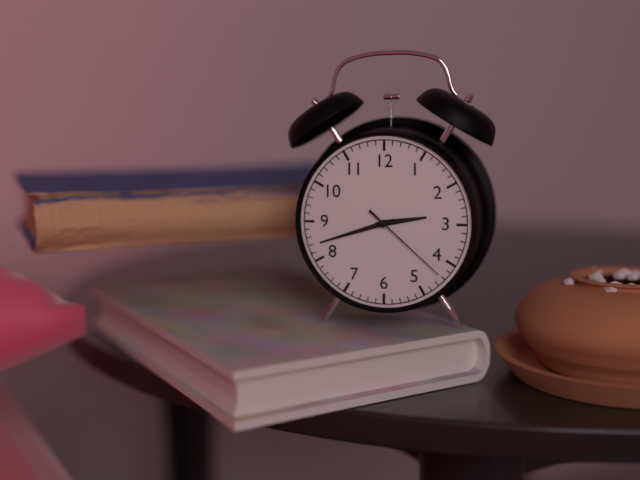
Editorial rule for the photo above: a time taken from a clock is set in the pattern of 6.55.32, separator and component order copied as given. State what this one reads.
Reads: 2.42.22
